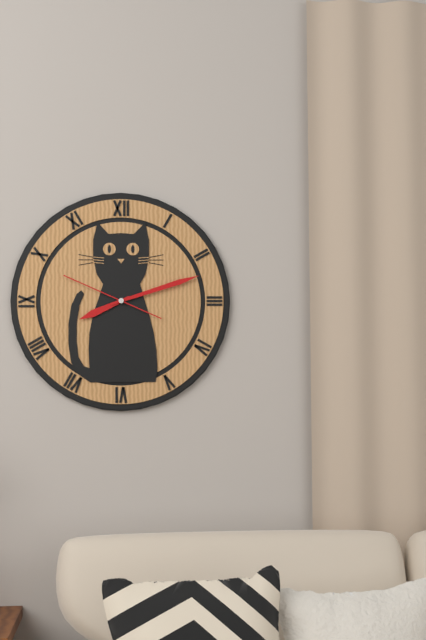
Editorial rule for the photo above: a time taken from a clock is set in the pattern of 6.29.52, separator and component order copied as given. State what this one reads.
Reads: 8.12.49
